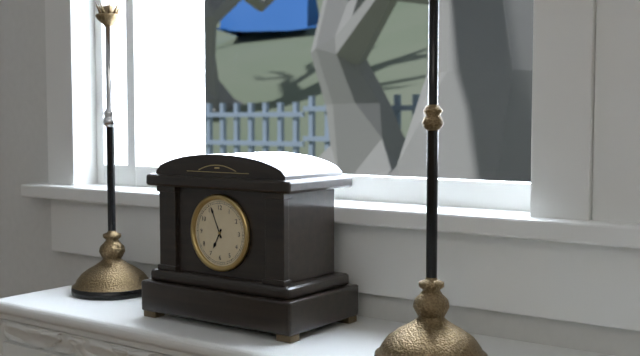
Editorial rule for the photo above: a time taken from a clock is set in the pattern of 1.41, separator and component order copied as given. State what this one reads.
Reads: 6.56
